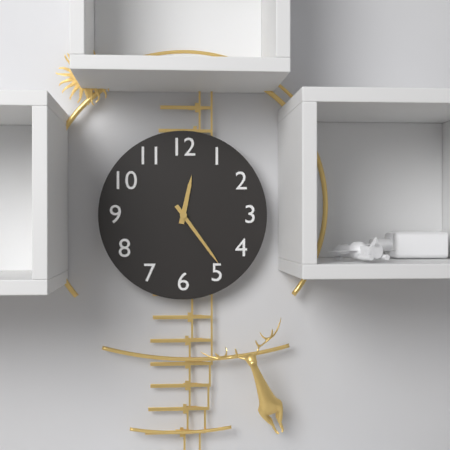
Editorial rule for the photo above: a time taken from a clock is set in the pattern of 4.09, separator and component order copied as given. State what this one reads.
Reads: 12.24
